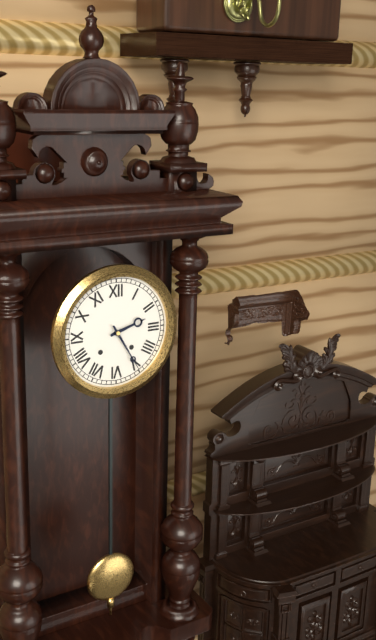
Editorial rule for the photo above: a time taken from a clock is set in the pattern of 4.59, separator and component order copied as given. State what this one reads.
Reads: 2.25
